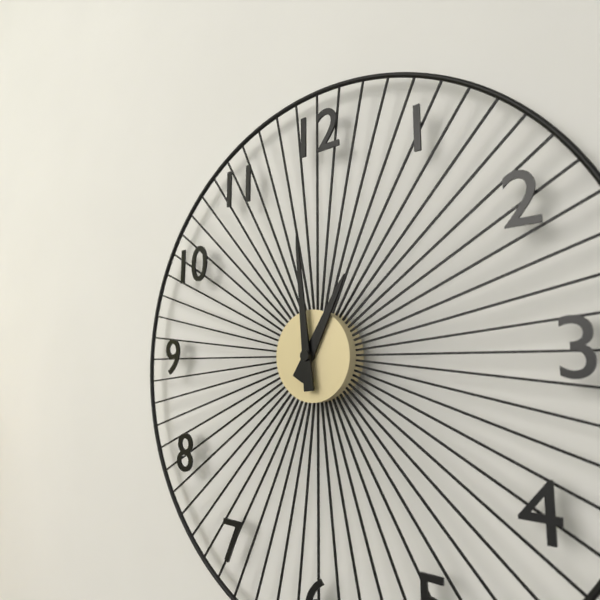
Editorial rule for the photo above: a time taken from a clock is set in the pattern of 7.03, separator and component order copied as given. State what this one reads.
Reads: 12.59
